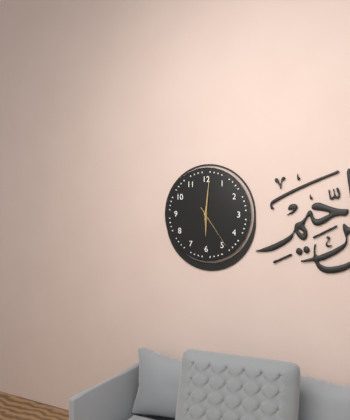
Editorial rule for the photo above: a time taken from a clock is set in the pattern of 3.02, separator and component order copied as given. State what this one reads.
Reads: 6.01
